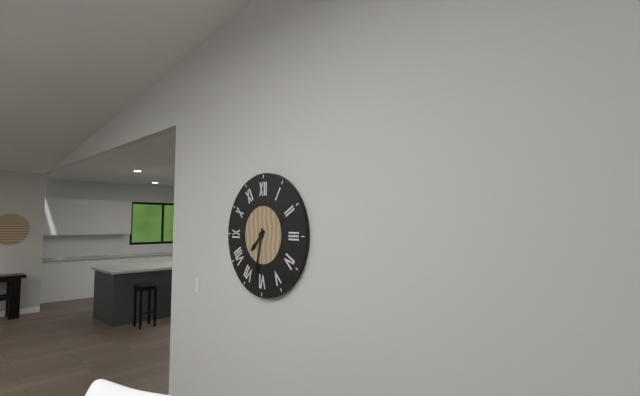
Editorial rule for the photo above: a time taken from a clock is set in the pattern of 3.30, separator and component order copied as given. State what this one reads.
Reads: 7.32
